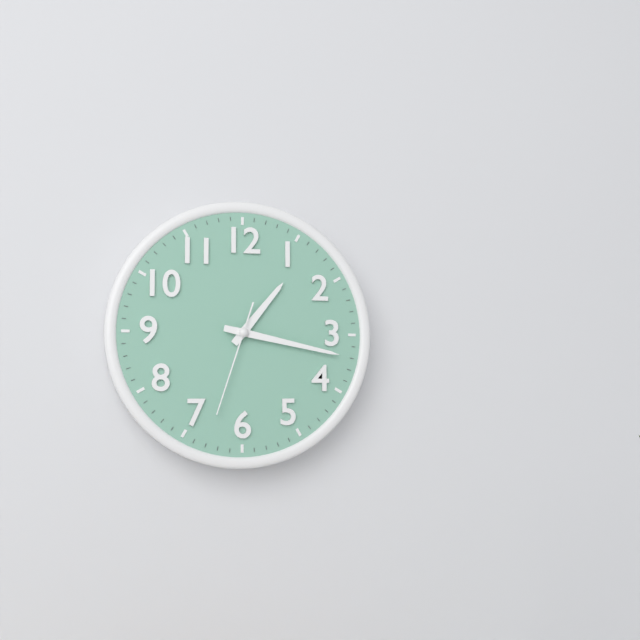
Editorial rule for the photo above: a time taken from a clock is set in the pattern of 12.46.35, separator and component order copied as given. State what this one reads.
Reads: 1.17.33
